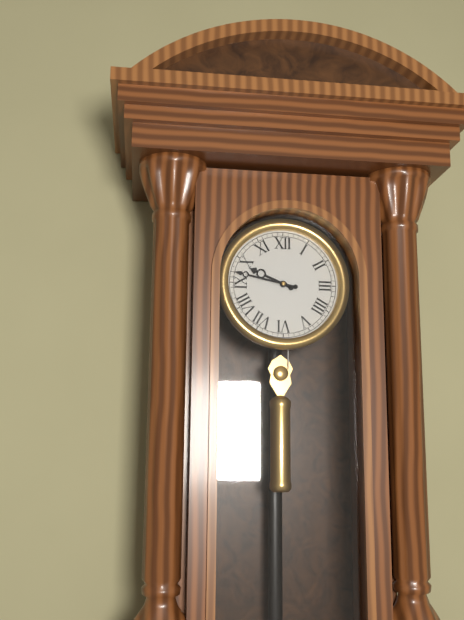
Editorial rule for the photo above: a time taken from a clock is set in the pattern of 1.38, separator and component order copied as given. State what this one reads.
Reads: 9.47
